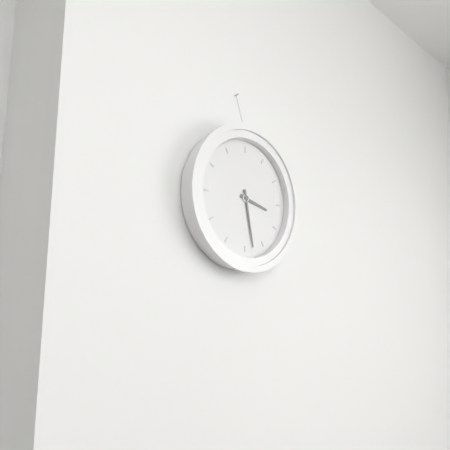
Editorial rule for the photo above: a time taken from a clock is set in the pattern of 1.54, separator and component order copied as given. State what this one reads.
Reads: 3.28
